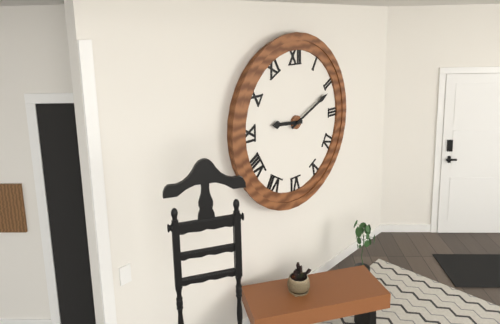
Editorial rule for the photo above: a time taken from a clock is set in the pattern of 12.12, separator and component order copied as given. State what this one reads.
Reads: 9.11
